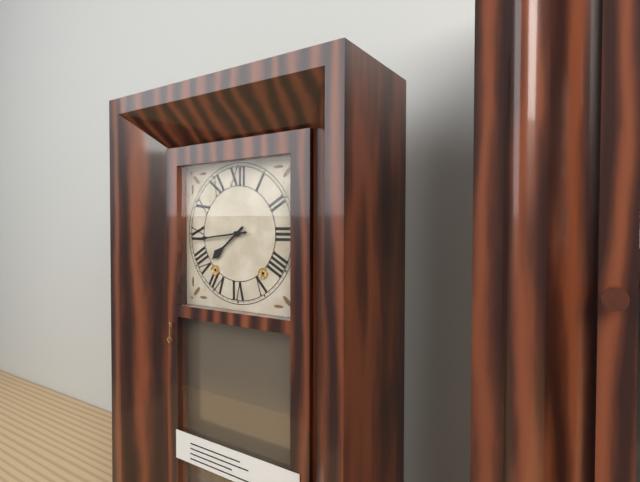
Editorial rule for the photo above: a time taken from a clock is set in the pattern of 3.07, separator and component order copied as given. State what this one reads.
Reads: 7.44
